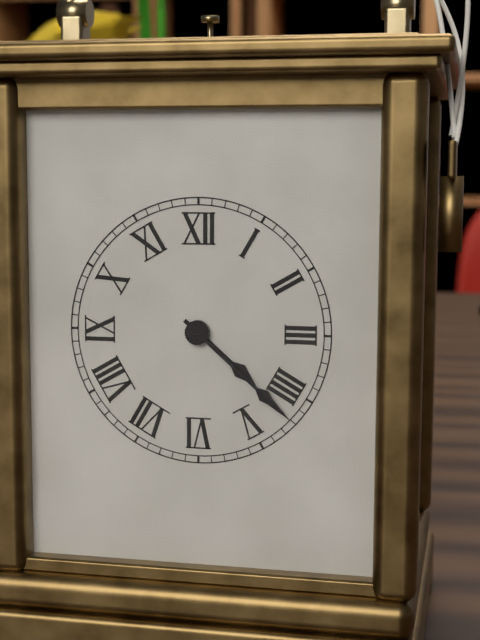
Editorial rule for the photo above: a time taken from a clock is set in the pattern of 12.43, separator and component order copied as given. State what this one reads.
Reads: 4.22
